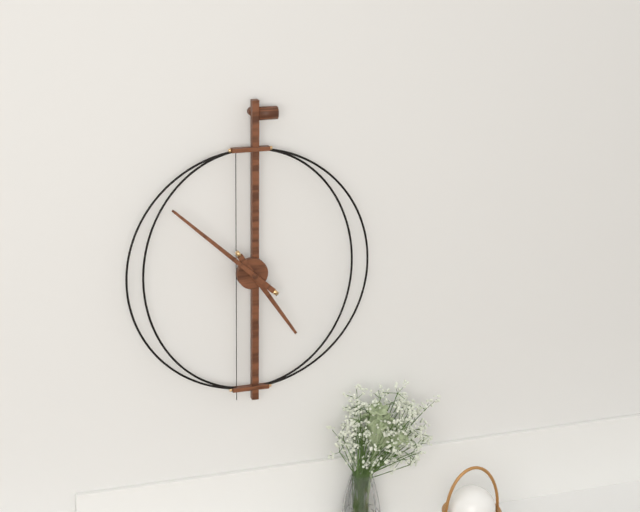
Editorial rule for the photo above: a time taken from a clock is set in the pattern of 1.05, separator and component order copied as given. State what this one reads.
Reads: 4.52
